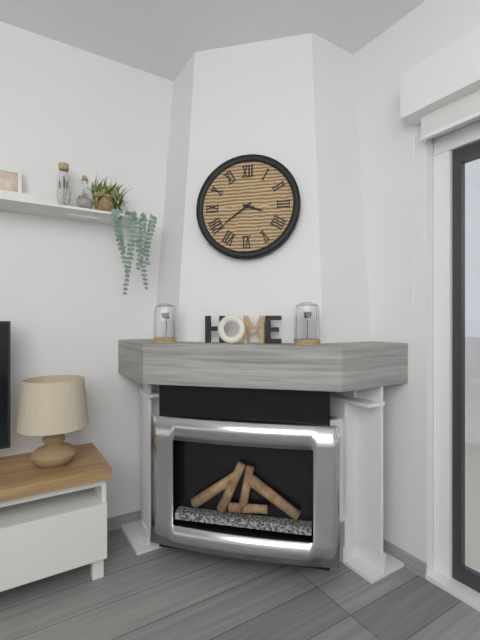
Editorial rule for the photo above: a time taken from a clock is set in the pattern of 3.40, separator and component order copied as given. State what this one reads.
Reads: 3.39
